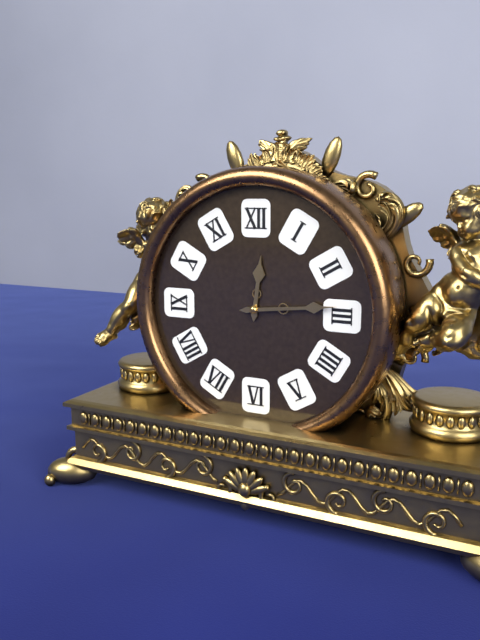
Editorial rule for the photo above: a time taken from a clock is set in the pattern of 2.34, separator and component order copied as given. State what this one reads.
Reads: 12.14
